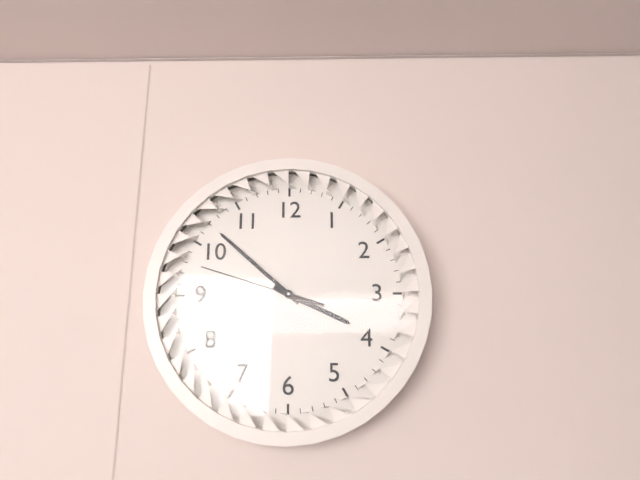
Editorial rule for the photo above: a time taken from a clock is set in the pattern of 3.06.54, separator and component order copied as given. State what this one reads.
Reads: 3.52.48
